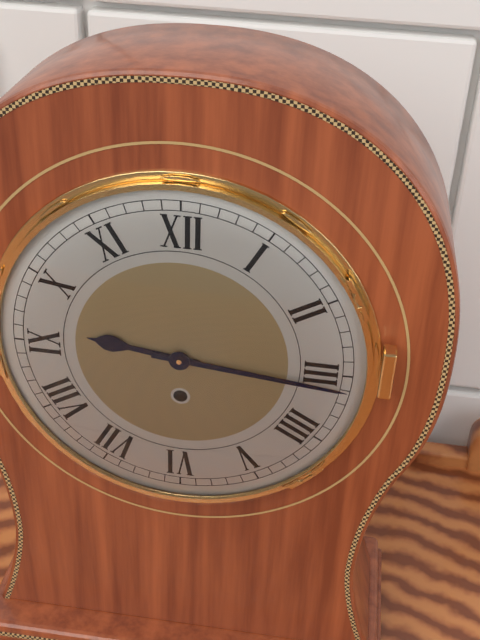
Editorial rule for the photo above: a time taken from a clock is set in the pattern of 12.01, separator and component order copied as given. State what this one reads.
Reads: 9.16
